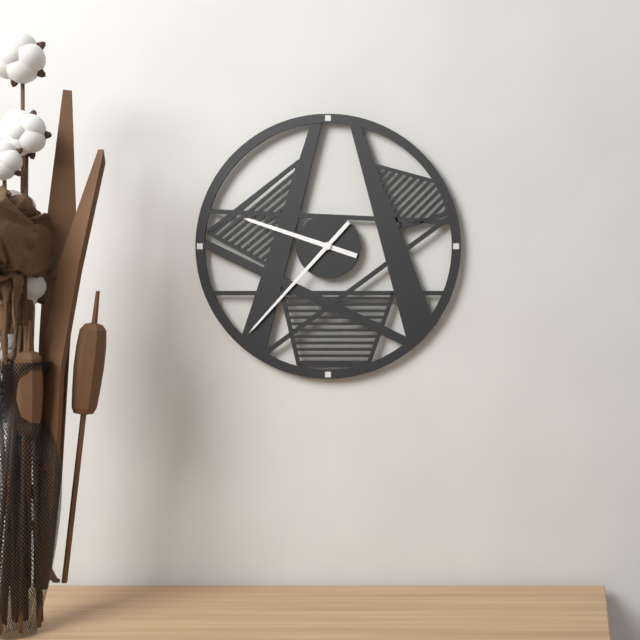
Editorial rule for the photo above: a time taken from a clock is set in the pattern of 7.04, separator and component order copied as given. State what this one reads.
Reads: 9.37
